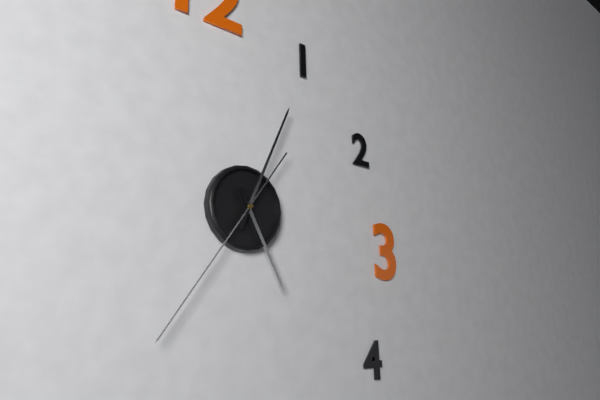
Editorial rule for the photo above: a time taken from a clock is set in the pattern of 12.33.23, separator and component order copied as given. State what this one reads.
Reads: 5.04.36
